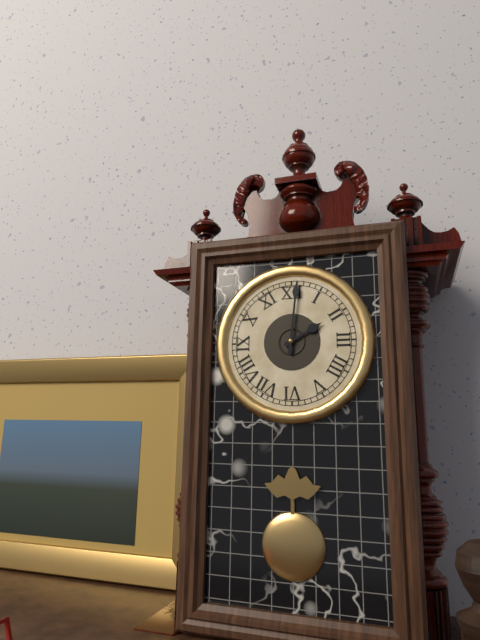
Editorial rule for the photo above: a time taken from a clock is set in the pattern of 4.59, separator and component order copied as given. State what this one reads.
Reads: 2.01
